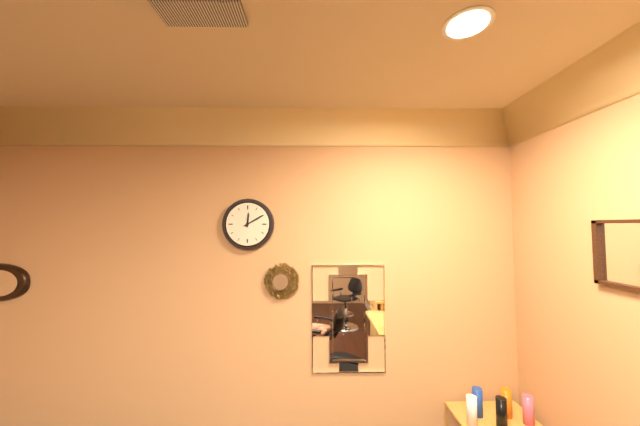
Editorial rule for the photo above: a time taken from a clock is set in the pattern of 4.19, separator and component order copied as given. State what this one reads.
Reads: 12.10
